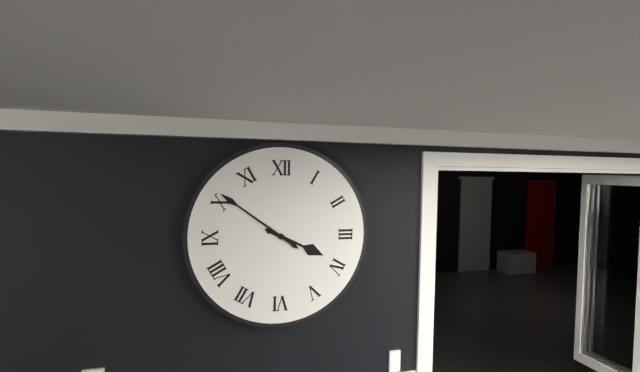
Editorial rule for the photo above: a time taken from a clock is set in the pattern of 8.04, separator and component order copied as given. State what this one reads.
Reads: 3.51
